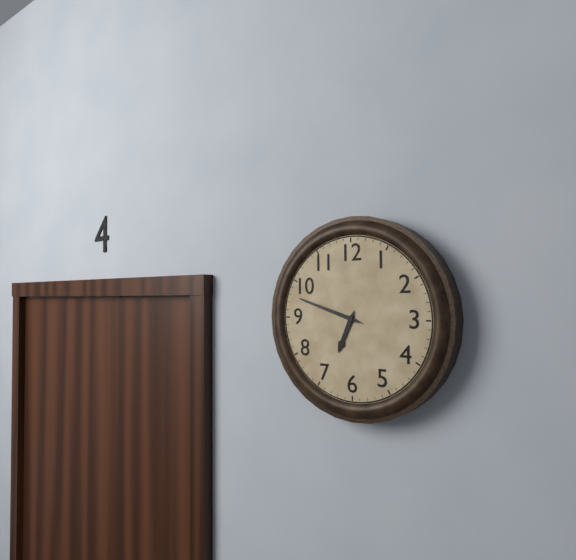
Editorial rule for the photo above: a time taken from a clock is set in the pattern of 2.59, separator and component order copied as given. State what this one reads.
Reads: 6.48
